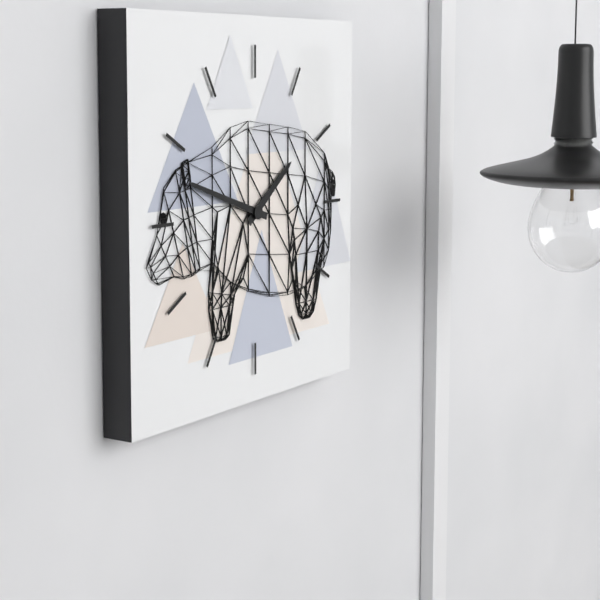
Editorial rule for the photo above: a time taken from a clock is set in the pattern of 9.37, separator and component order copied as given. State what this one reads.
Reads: 1.48
